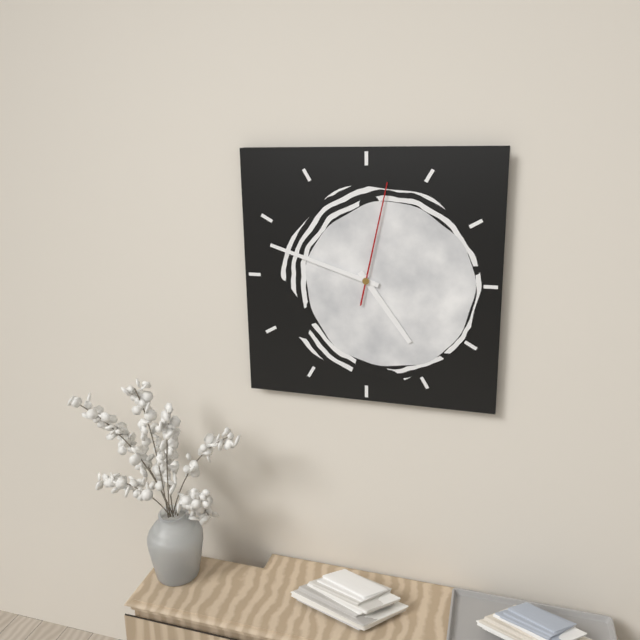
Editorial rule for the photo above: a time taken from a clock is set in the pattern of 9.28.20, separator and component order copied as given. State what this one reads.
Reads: 4.48.02
